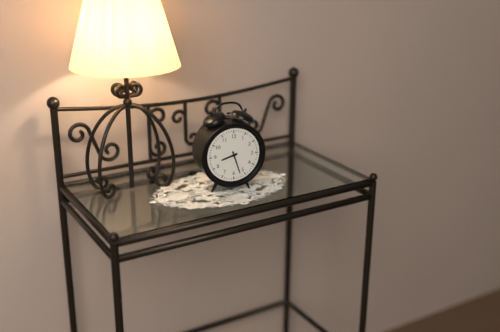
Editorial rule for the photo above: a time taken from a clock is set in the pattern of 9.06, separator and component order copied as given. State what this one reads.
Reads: 8.27
